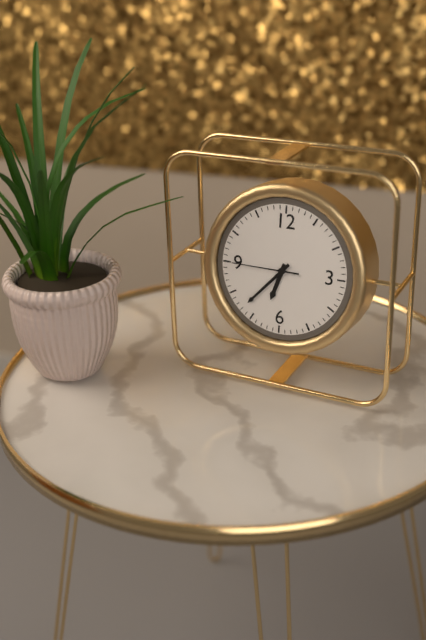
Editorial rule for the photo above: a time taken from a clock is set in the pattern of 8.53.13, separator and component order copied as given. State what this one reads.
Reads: 6.37.45
